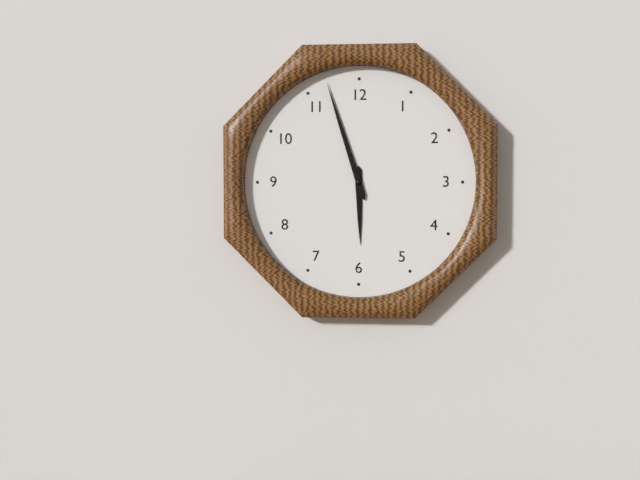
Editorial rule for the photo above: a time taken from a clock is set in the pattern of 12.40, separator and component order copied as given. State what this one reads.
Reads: 5.57
